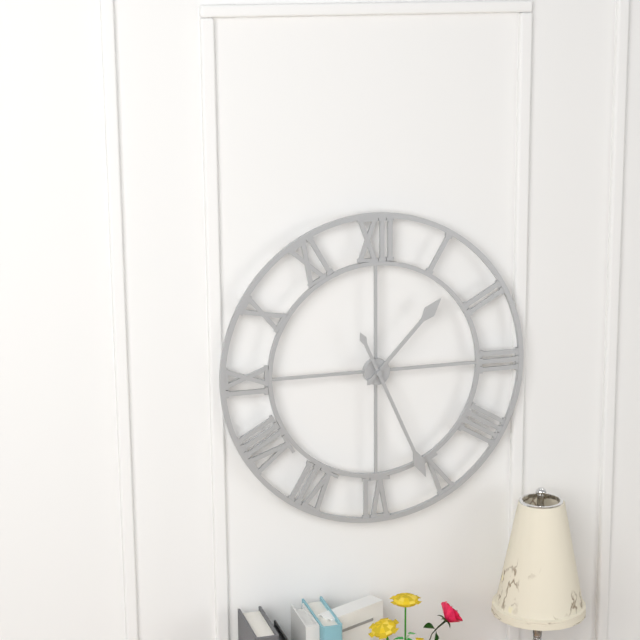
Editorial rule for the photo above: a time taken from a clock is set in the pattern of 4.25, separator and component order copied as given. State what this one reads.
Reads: 1.26
